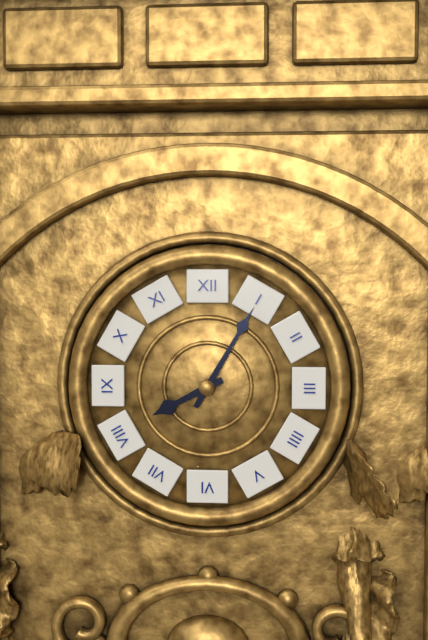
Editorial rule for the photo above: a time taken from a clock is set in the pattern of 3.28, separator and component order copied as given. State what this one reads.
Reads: 8.05
